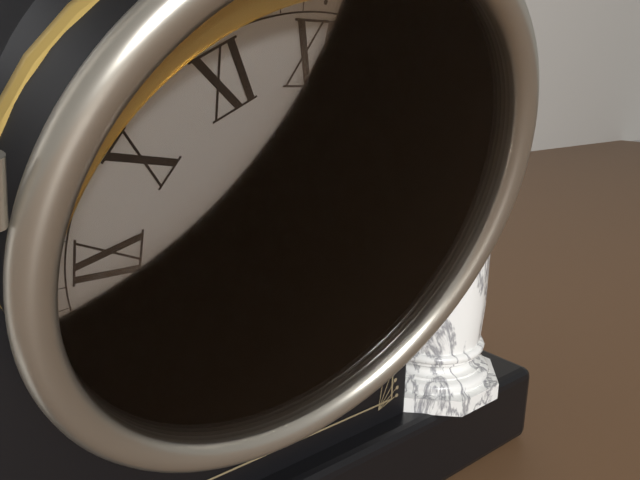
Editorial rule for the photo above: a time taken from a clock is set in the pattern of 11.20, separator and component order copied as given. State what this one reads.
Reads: 2.15
